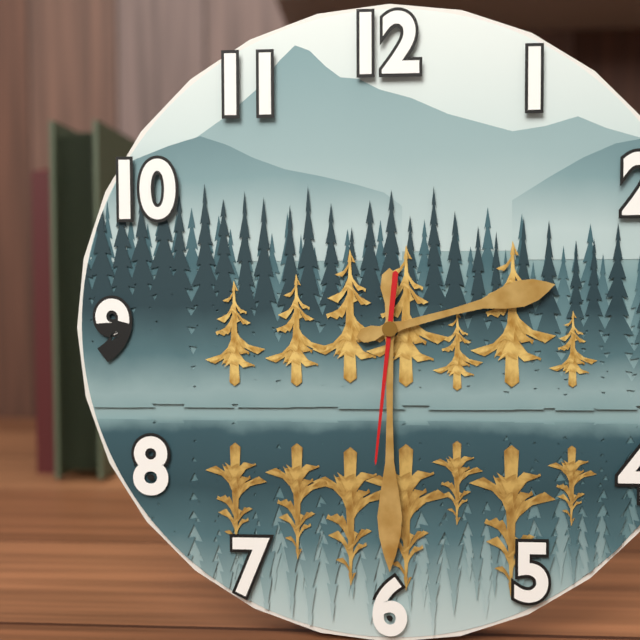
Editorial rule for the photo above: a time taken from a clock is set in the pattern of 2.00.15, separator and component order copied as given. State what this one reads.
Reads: 2.30.31
